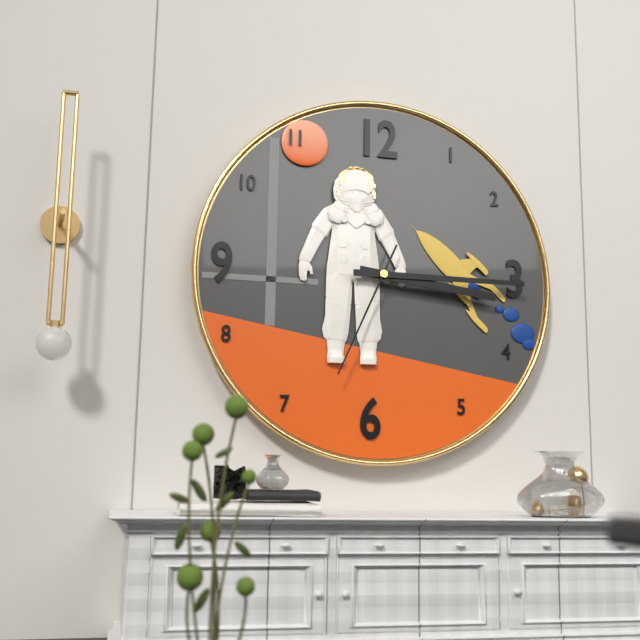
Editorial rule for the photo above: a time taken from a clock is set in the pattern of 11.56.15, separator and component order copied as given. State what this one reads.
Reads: 3.15.34
